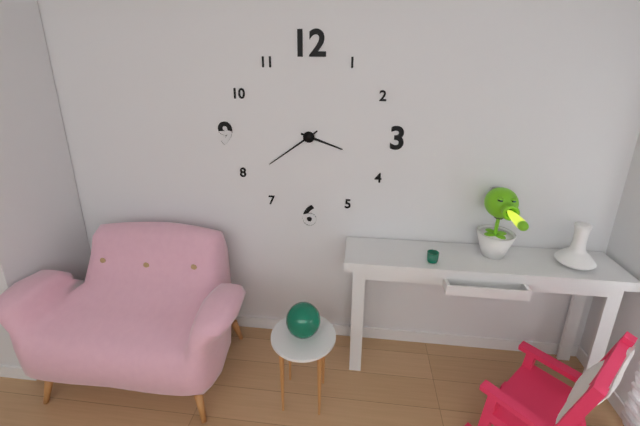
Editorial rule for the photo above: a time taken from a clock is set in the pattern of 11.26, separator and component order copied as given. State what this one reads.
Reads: 3.39
